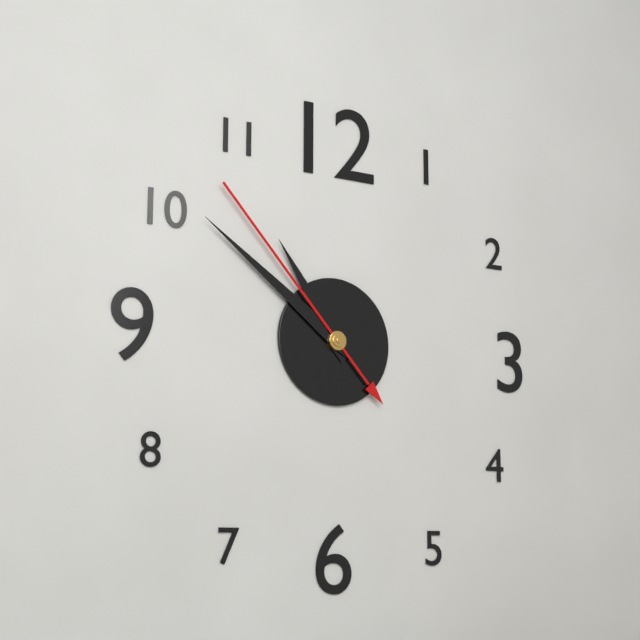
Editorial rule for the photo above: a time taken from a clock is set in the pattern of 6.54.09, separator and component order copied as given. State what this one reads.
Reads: 10.51.53
